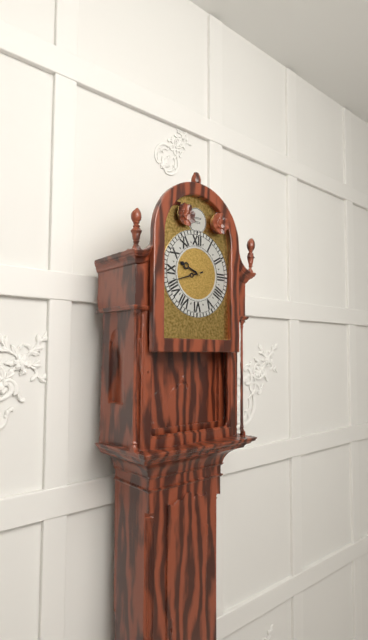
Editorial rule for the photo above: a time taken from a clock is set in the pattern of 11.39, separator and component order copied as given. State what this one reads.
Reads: 9.42
